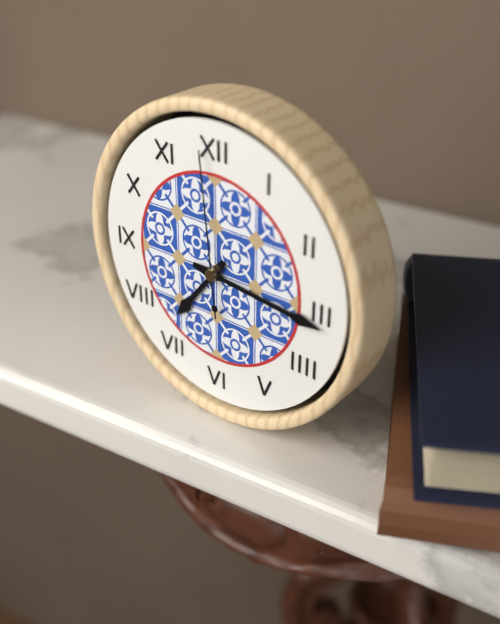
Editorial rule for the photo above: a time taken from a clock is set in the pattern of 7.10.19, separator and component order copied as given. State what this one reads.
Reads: 7.16.59
